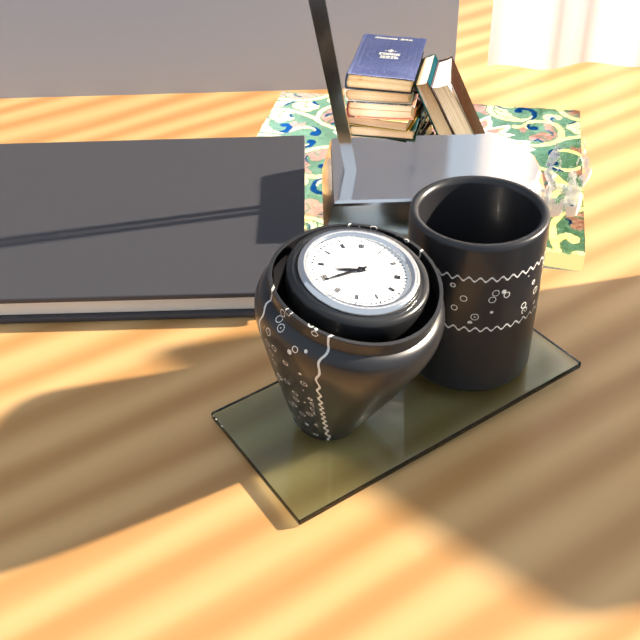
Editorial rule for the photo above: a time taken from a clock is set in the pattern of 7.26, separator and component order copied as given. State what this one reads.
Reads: 8.39
